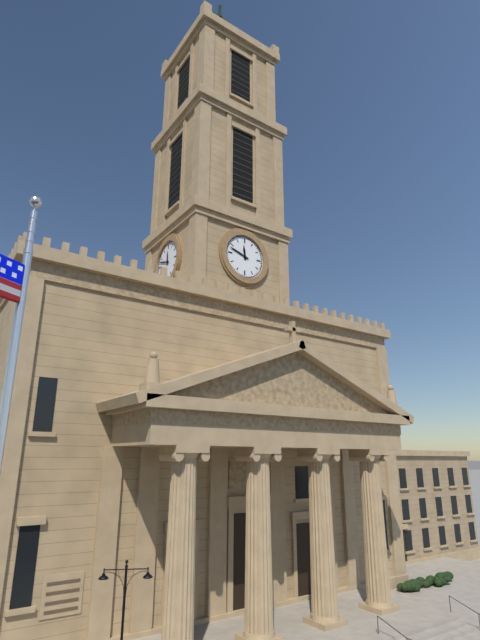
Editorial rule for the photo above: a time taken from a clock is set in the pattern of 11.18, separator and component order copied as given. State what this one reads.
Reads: 11.48
